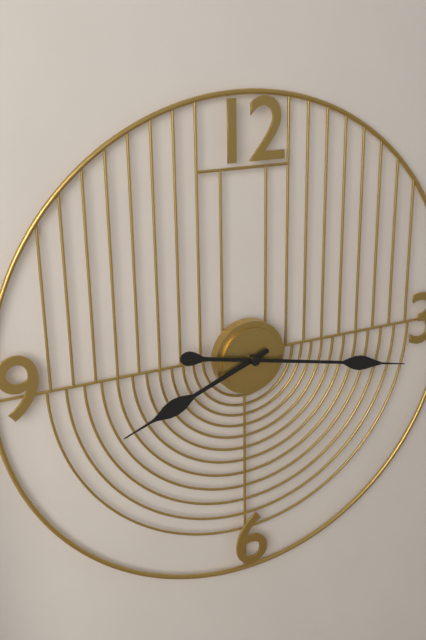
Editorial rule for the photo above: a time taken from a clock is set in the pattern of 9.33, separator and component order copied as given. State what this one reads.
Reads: 8.17
